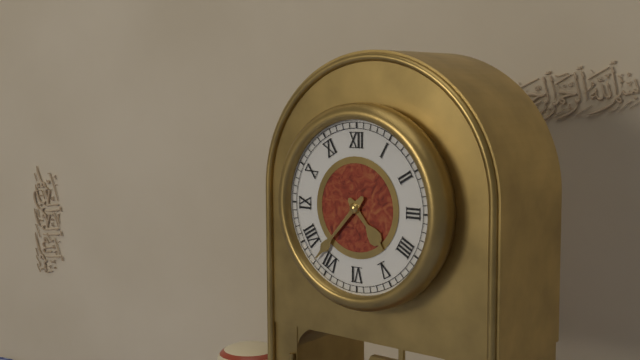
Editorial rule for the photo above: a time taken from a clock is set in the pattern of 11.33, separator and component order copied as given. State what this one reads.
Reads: 4.37
